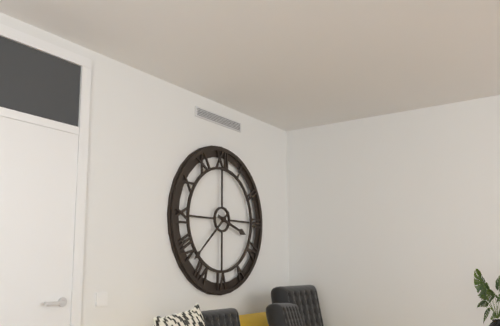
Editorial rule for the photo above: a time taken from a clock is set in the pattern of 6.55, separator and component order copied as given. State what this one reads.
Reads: 3.38
